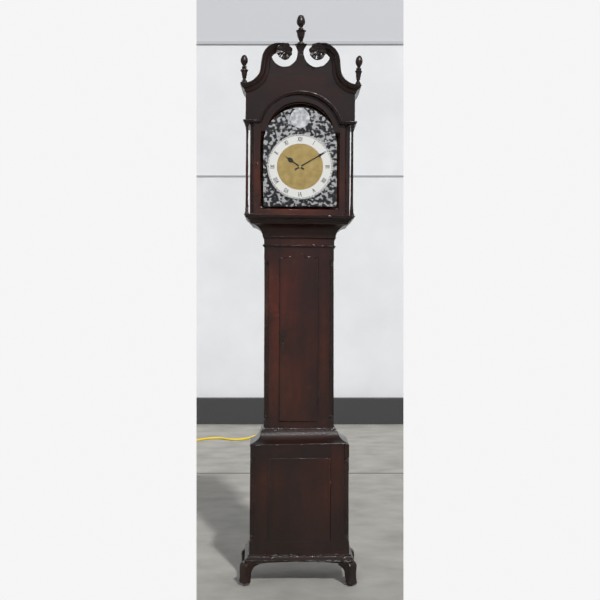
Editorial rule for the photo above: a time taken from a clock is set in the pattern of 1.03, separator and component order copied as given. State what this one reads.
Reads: 10.10
